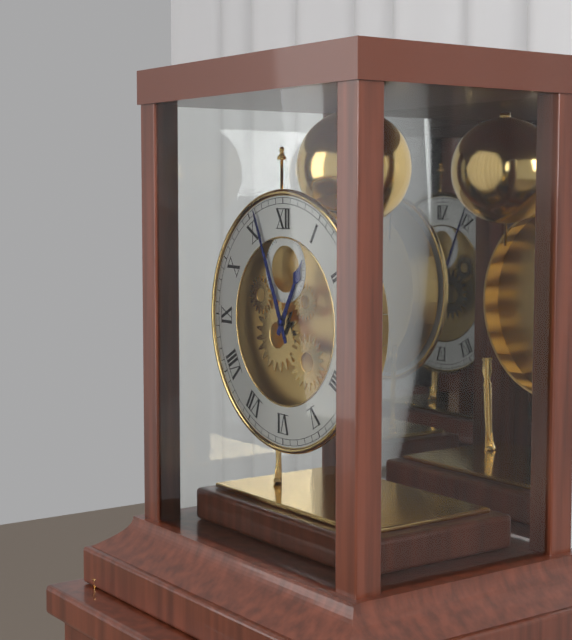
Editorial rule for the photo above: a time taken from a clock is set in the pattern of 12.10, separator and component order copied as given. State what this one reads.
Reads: 12.56
